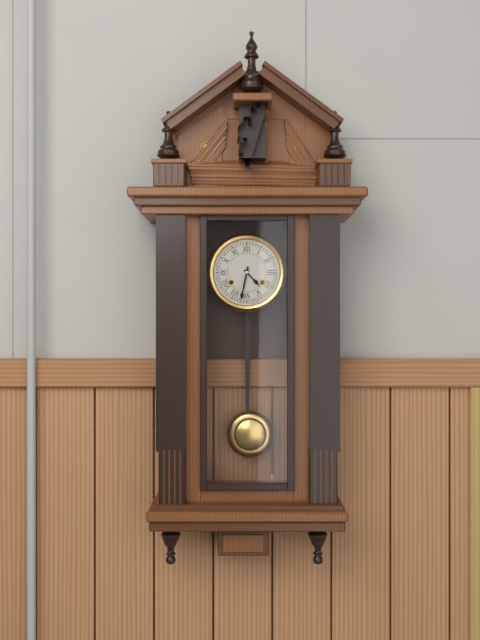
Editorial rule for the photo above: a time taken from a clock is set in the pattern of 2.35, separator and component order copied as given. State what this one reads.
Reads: 4.32
